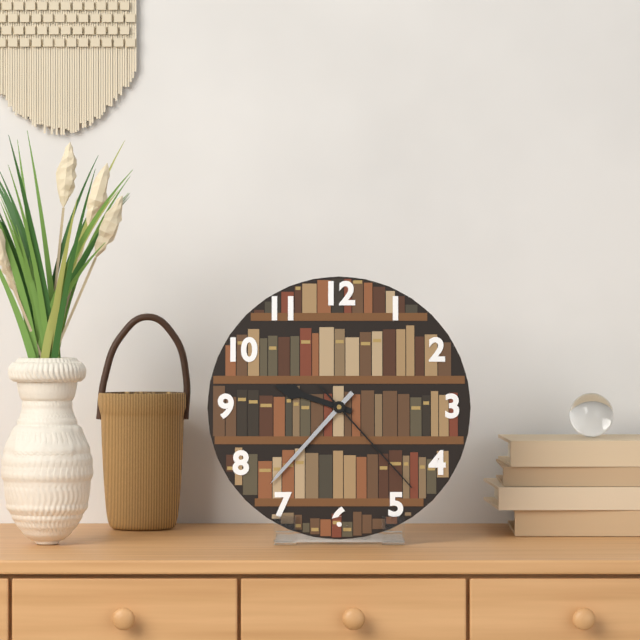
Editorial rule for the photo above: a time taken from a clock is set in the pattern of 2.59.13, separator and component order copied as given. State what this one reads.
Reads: 9.37.23
